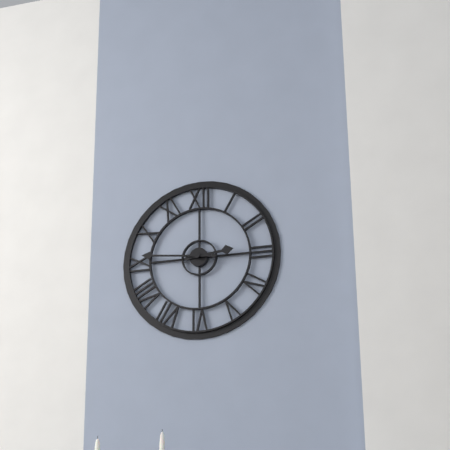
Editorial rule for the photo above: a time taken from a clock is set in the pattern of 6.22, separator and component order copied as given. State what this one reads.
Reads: 2.46
